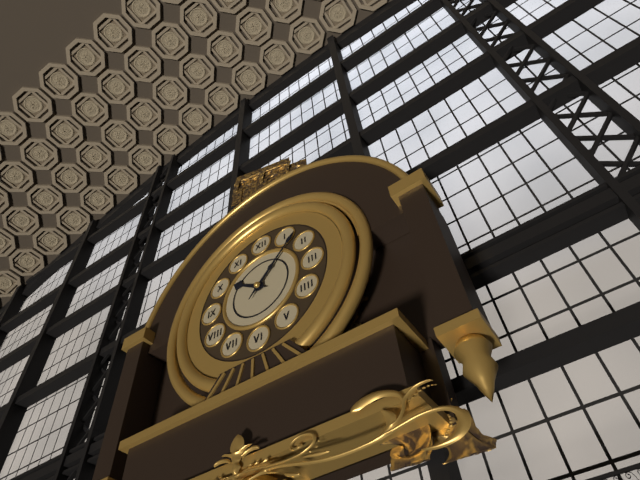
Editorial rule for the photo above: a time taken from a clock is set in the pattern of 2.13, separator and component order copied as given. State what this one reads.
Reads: 10.07
